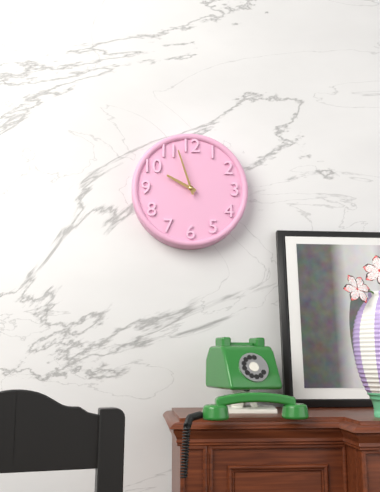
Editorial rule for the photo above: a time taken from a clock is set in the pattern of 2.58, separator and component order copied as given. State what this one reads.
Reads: 9.57
